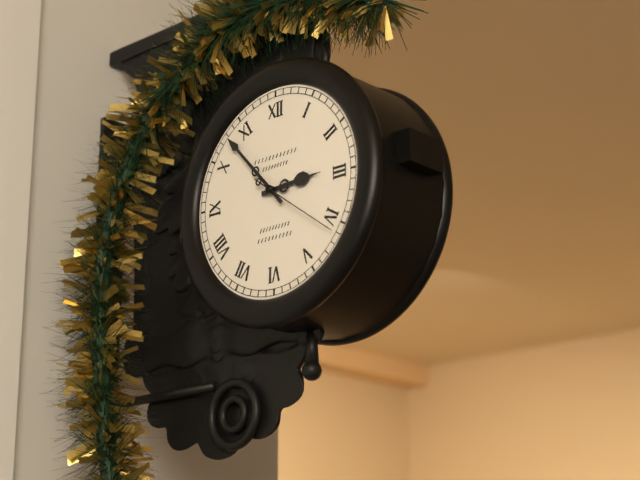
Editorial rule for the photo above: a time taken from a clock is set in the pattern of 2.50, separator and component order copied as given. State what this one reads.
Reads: 2.53
